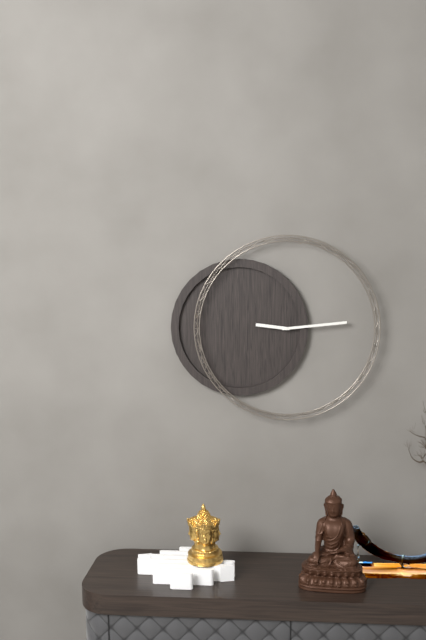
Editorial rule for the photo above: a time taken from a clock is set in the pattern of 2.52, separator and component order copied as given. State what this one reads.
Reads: 9.14
